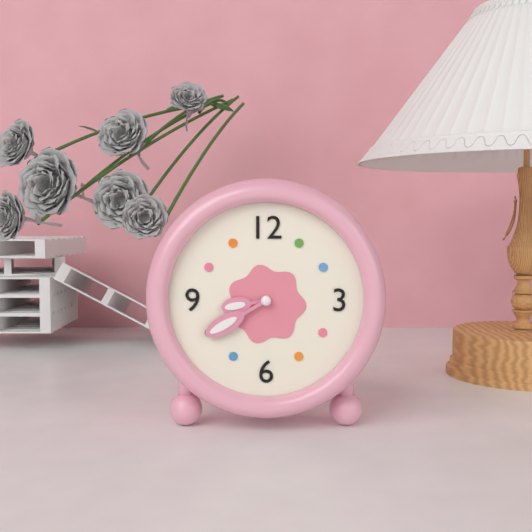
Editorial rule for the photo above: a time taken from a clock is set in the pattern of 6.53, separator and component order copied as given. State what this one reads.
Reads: 8.40
